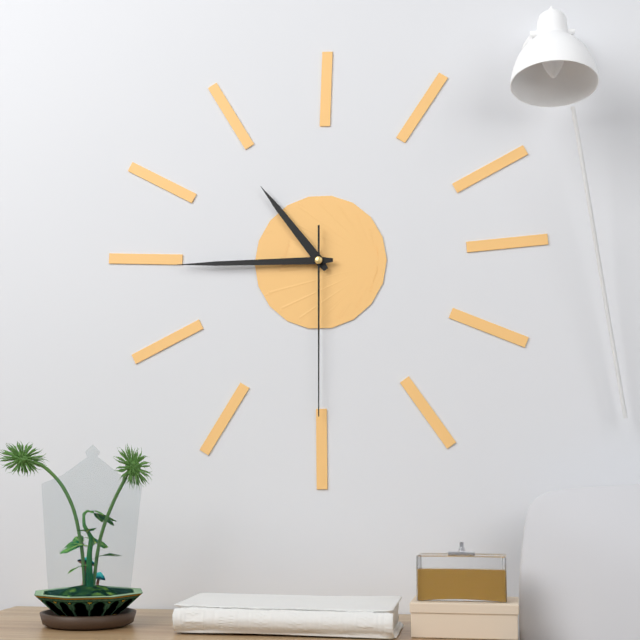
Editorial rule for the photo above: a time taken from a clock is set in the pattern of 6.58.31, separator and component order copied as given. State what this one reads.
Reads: 10.45.30
